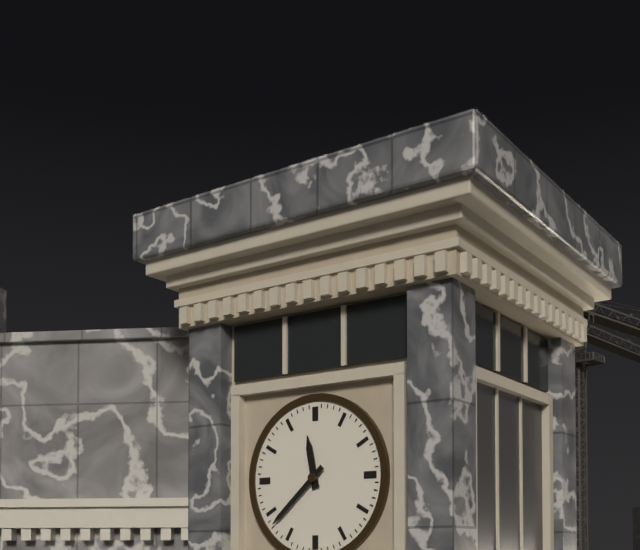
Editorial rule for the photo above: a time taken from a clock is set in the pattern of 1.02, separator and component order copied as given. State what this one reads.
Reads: 11.38
